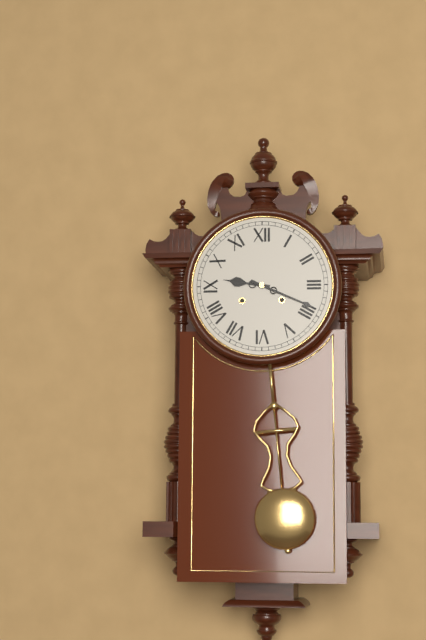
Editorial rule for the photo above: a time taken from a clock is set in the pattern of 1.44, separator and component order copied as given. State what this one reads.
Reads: 9.19
